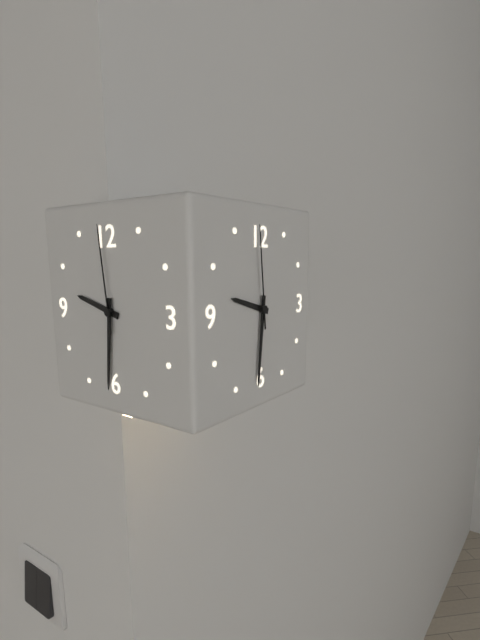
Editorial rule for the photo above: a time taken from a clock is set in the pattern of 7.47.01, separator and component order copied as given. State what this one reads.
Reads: 9.31.59
